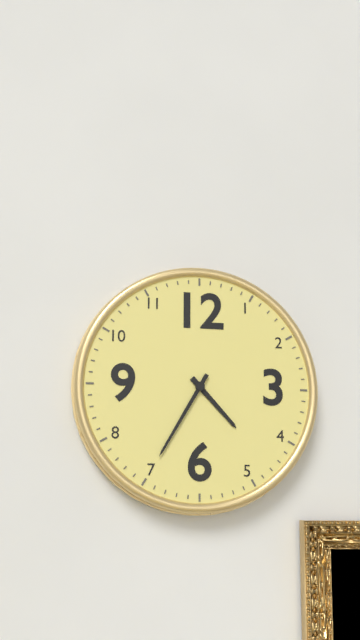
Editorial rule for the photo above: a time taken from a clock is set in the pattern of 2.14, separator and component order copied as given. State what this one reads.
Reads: 4.35
